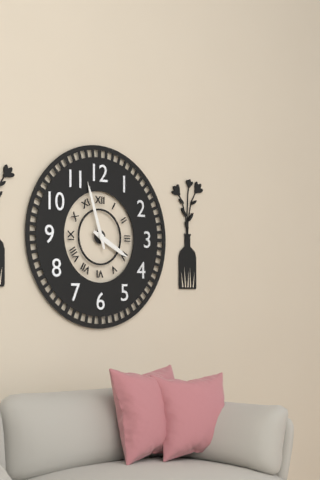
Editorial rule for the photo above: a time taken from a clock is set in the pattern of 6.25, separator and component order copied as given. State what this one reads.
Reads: 3.57
